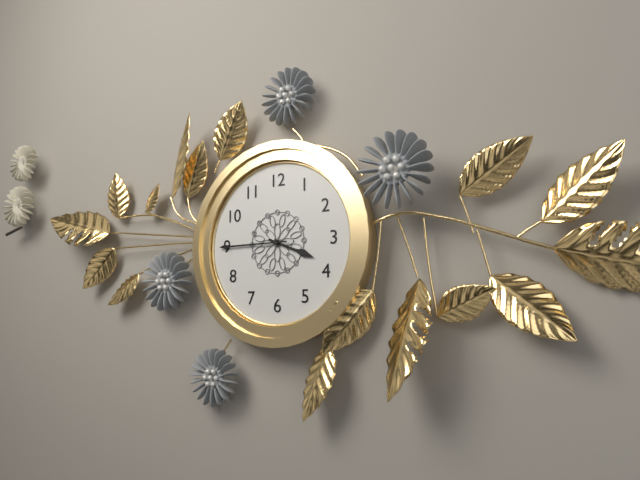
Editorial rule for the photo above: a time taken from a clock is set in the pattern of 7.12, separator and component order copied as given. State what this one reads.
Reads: 3.45
